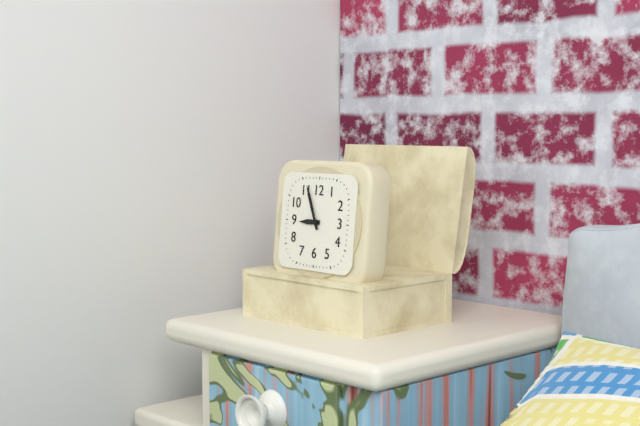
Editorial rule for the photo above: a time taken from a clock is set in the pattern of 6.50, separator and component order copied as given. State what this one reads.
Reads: 8.56
